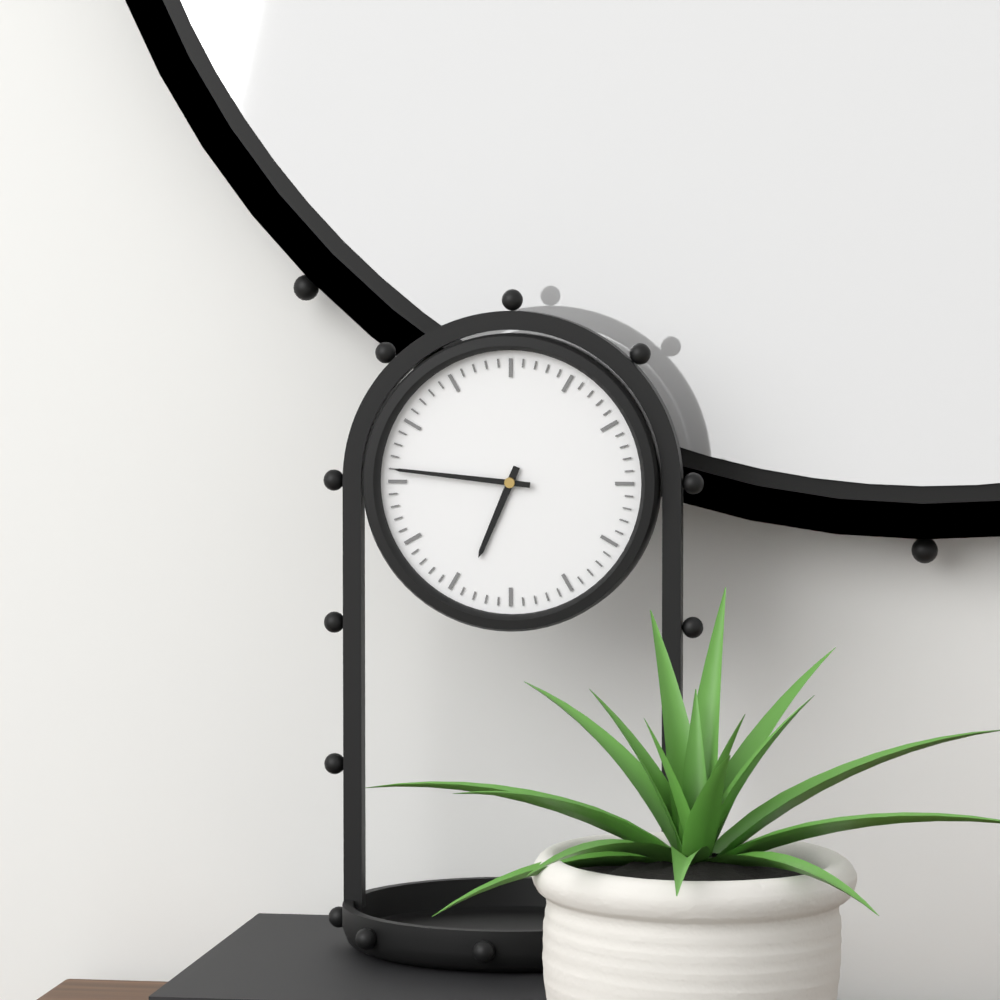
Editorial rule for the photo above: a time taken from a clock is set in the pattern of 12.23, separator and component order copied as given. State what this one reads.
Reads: 6.46
